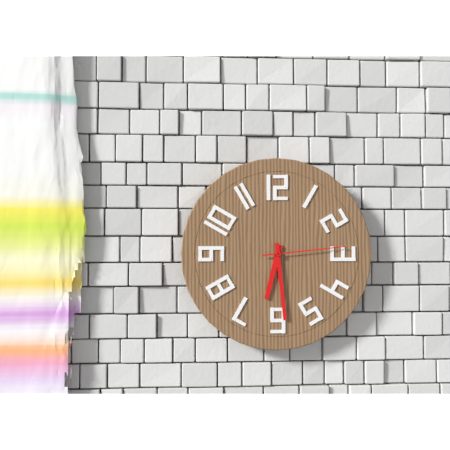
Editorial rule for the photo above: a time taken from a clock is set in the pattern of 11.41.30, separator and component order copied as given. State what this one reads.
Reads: 6.29.14
